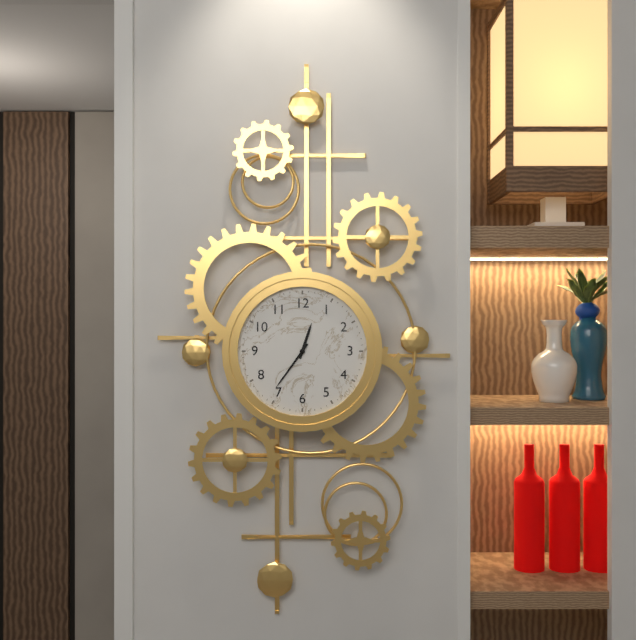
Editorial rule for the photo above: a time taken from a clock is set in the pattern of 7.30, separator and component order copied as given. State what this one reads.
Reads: 12.36
